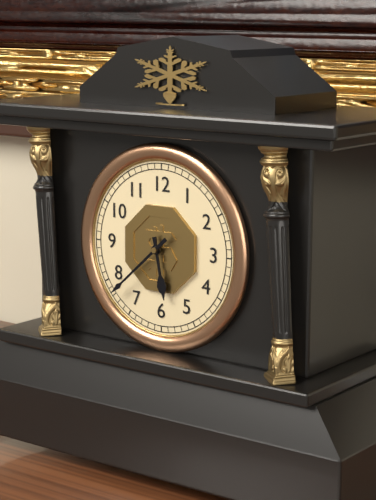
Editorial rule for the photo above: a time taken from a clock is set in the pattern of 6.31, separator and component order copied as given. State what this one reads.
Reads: 5.38
